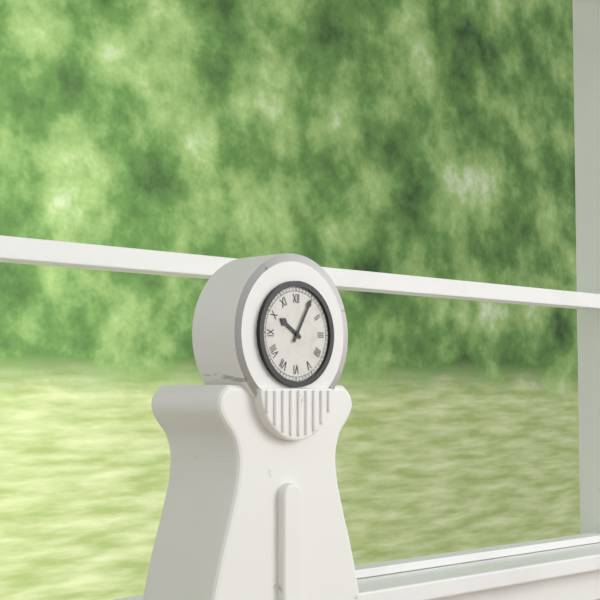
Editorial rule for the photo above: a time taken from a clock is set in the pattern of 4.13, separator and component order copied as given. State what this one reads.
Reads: 10.05
